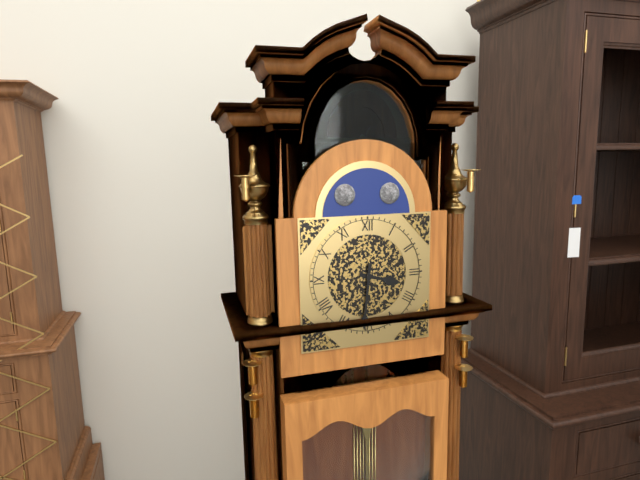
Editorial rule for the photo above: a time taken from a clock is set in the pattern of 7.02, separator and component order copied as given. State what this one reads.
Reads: 3.31
